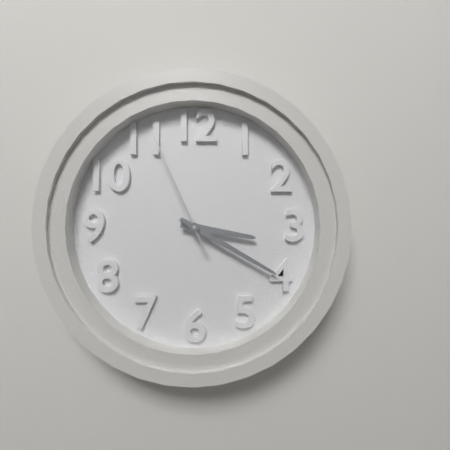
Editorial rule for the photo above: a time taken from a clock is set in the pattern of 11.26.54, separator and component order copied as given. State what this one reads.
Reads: 3.20.56
